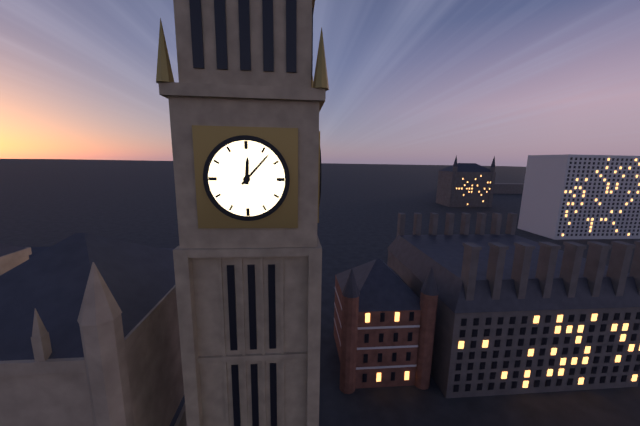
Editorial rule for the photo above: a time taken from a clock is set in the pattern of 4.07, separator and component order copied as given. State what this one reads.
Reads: 12.07
